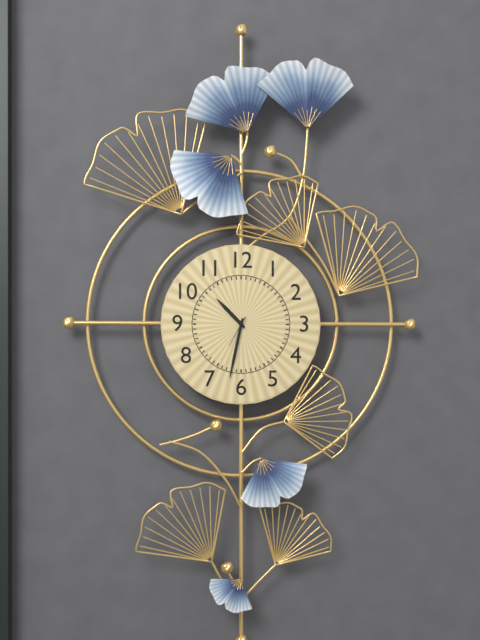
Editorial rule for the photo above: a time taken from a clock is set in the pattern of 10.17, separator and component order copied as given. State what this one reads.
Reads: 10.32
